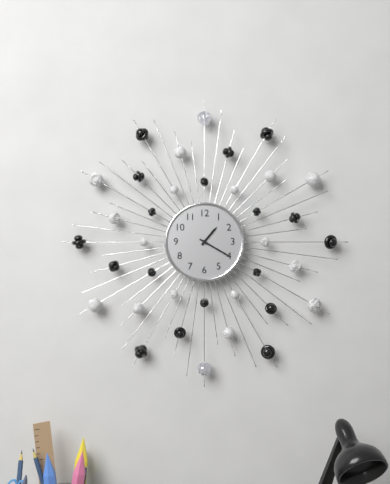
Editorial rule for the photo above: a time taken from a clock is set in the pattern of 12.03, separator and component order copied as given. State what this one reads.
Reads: 1.20
